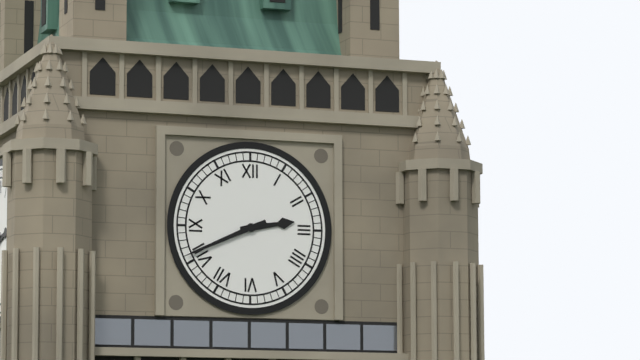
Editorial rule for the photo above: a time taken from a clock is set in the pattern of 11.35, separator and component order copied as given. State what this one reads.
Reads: 2.41
